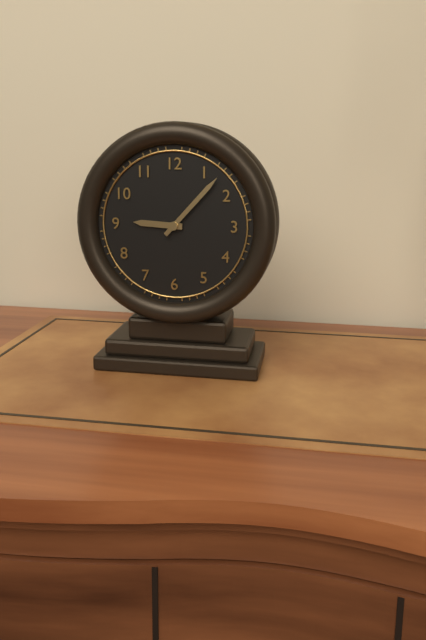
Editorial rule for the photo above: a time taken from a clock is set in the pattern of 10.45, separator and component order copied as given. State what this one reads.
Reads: 9.07
